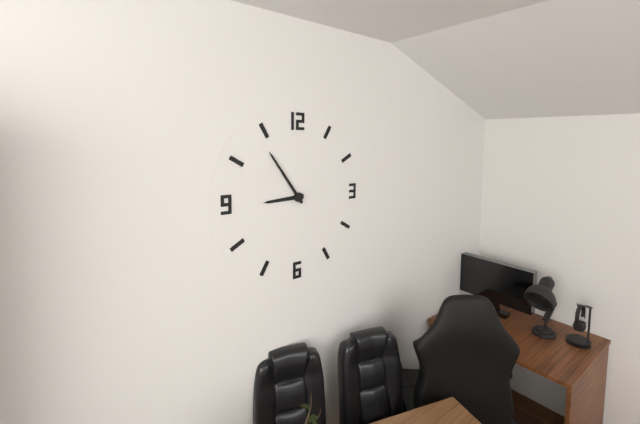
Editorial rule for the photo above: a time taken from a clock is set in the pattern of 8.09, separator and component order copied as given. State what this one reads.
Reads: 8.54
